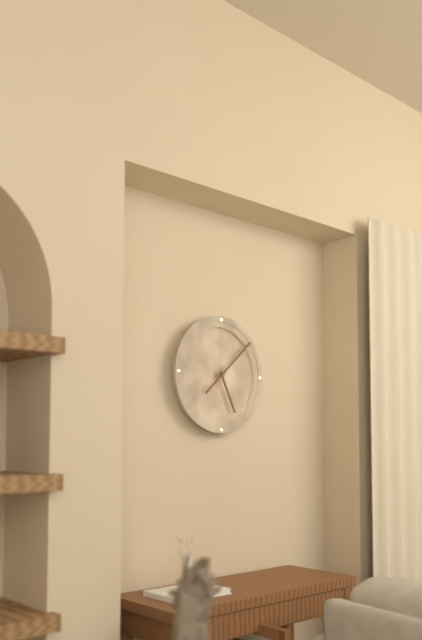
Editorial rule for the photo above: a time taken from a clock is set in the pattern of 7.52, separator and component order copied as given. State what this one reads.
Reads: 5.08
